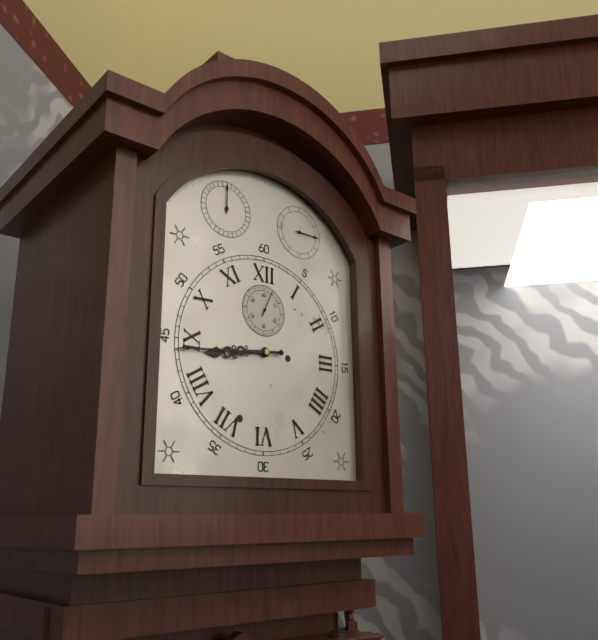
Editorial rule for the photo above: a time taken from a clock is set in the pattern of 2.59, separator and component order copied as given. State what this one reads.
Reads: 8.44
